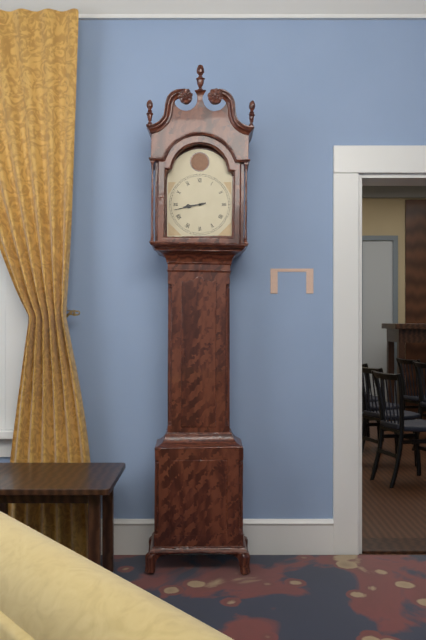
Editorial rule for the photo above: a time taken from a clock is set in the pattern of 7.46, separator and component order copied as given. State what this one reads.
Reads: 8.43
